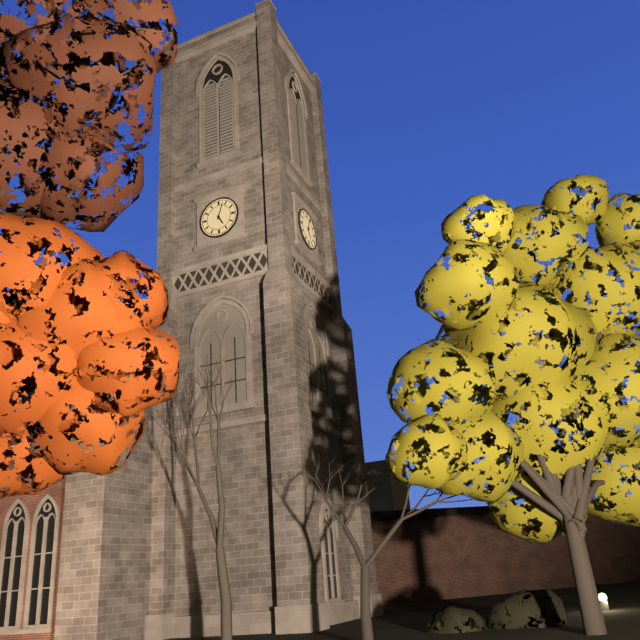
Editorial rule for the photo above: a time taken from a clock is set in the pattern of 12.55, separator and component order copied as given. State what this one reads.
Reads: 5.03
